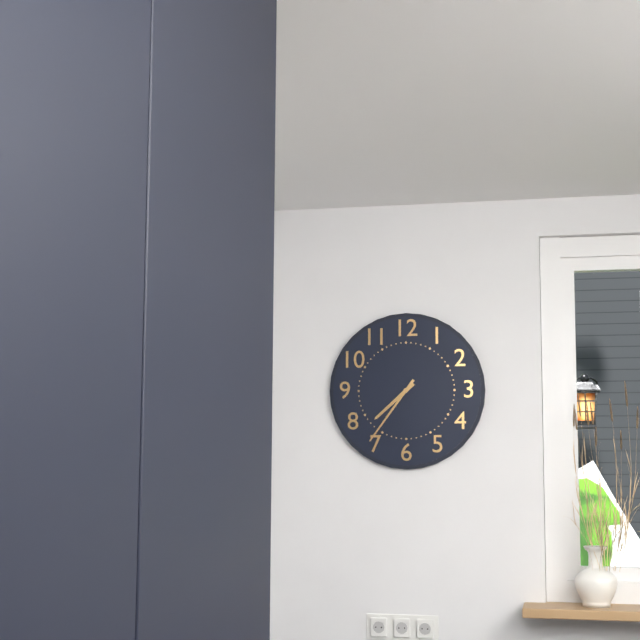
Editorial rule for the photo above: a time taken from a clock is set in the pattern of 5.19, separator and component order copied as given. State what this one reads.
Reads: 7.36
